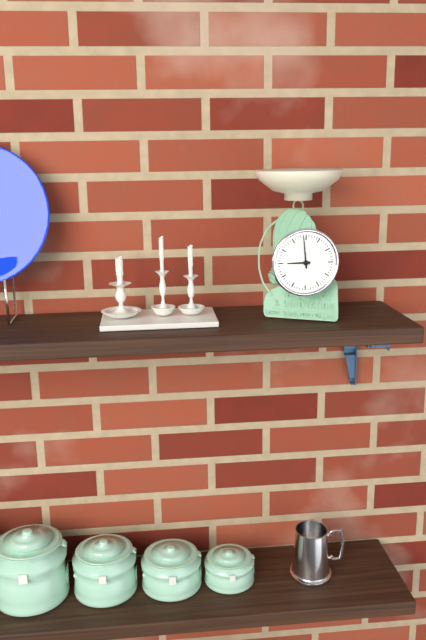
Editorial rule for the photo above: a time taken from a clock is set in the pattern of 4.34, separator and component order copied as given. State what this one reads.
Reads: 8.59
